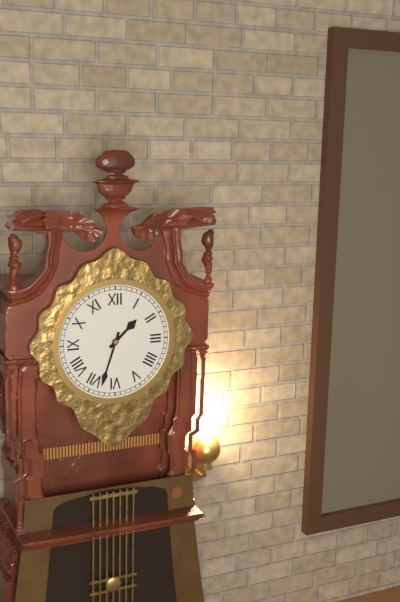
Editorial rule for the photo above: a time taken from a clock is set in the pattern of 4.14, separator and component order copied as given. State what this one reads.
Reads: 1.33
